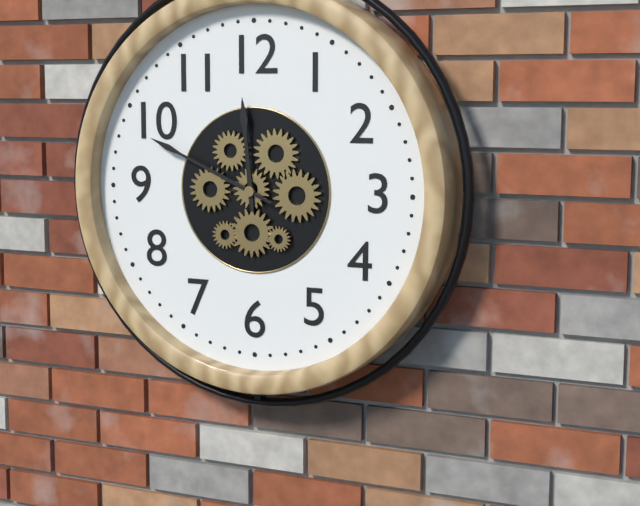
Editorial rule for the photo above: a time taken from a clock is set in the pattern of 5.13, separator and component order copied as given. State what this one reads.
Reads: 11.49
